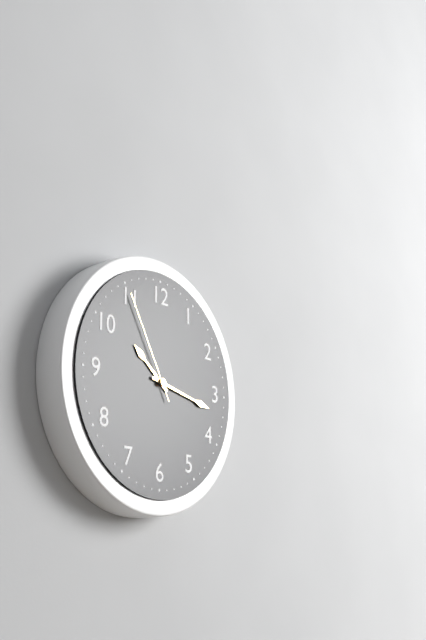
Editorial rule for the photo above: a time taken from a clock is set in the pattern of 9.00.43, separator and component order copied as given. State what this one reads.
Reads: 10.17.55
